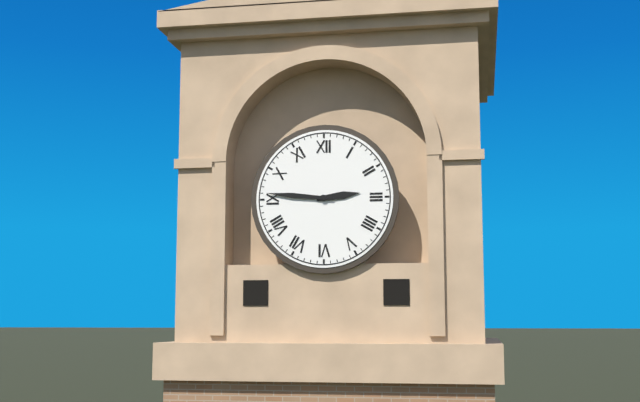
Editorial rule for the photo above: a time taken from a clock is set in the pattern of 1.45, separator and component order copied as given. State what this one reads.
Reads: 2.46
